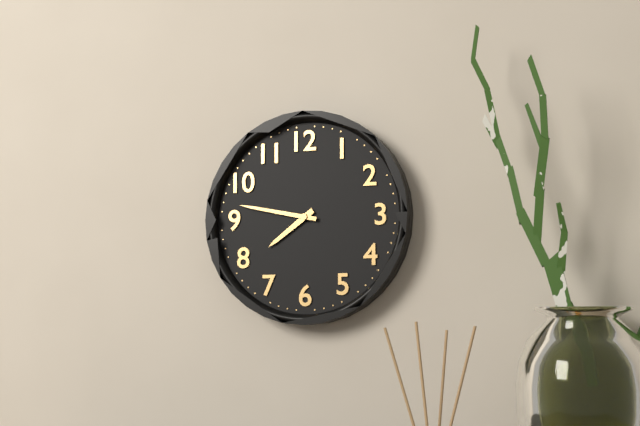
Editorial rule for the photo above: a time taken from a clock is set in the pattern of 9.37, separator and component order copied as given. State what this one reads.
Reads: 7.47
